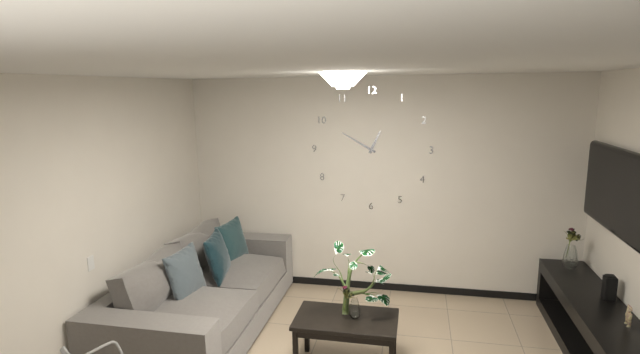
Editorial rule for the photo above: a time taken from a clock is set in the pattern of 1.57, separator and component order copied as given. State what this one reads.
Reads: 12.50
